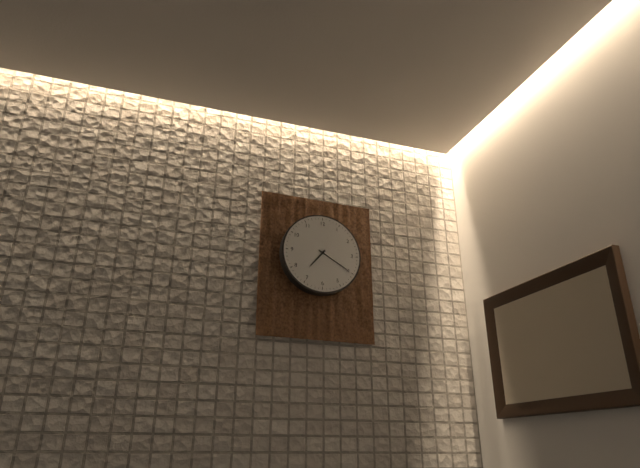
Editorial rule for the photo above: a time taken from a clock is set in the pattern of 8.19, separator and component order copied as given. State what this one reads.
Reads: 7.20
